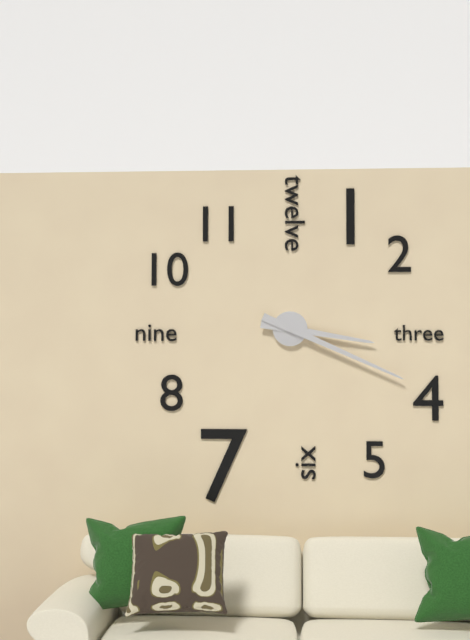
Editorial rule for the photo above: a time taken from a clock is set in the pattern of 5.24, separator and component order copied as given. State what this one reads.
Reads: 3.19
